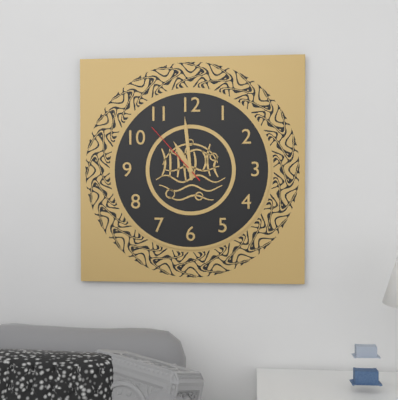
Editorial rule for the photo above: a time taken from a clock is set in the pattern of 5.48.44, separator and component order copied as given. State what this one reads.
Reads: 10.59.53
